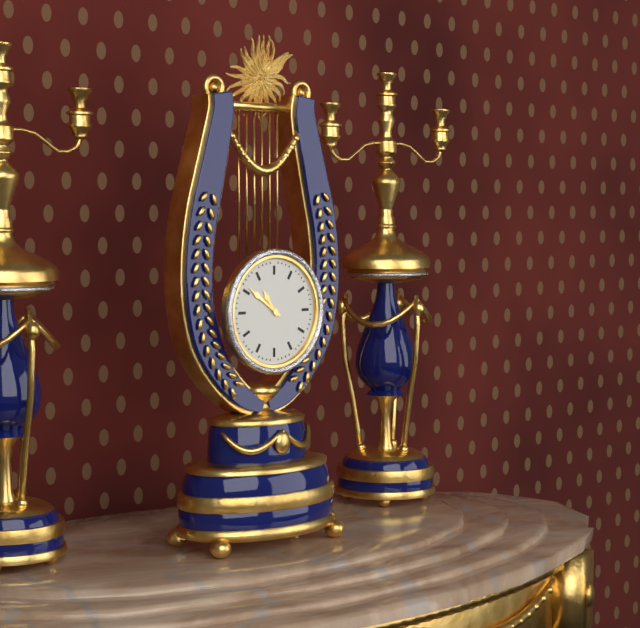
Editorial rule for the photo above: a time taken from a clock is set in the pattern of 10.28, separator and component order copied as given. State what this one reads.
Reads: 10.51
